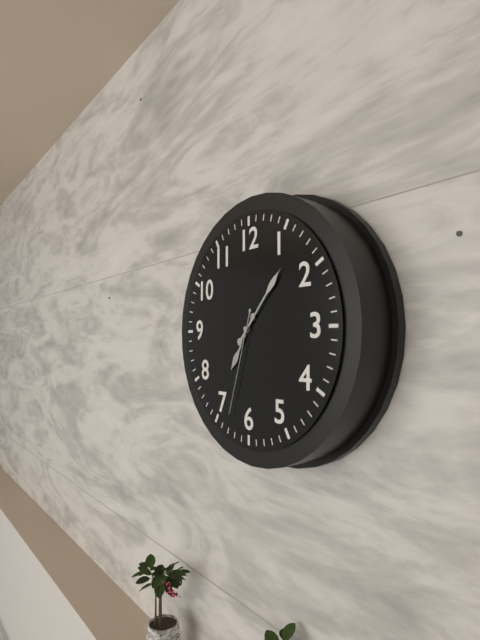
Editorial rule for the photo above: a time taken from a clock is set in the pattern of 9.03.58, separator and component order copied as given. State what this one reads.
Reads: 7.07.33
